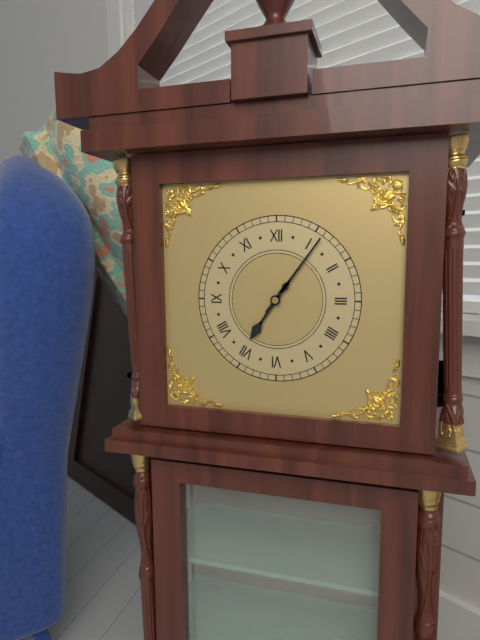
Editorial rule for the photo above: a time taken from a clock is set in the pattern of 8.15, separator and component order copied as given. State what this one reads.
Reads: 7.06
